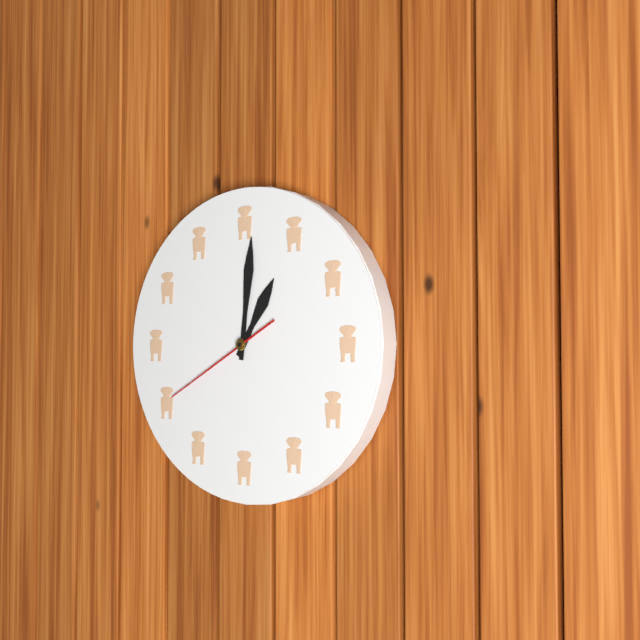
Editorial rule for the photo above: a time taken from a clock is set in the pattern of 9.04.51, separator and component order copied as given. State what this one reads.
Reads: 1.01.40
